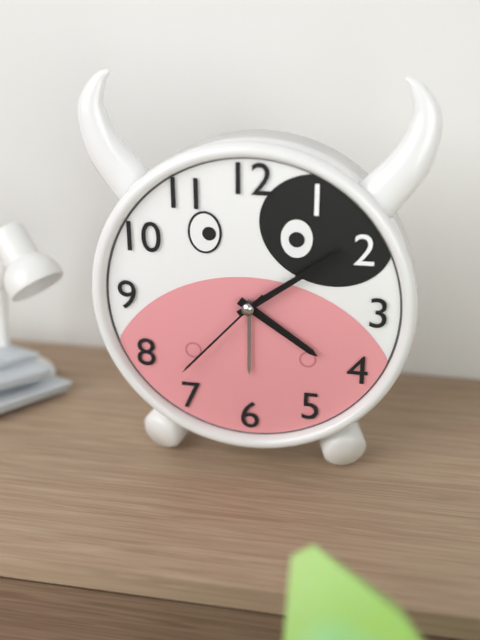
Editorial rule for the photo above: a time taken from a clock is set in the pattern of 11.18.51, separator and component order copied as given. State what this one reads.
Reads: 4.09.37
